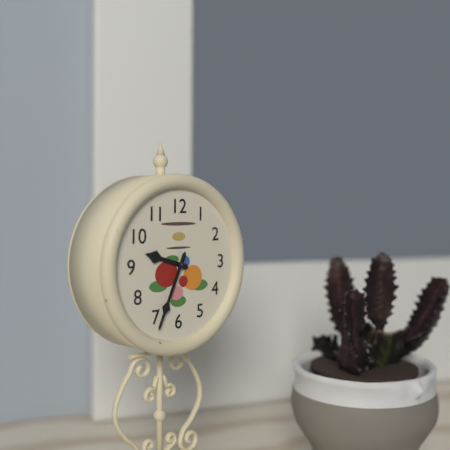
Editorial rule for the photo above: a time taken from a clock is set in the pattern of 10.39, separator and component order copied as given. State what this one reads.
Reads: 9.34
